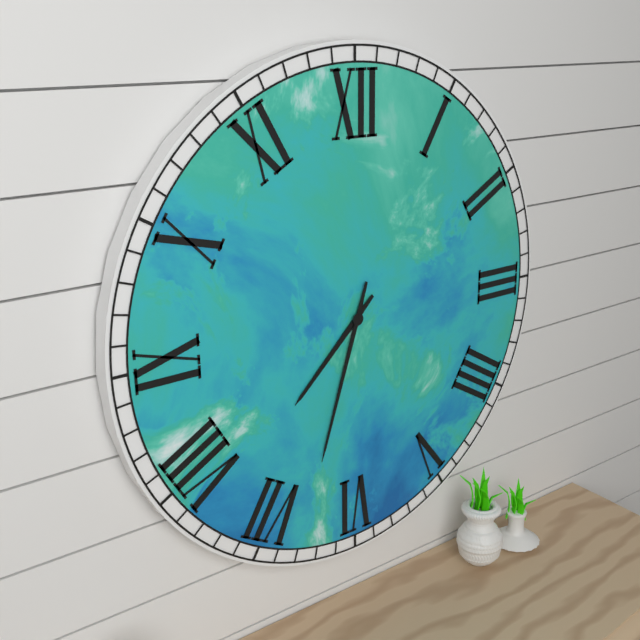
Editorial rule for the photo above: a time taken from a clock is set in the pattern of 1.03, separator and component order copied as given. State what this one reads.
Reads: 7.33
